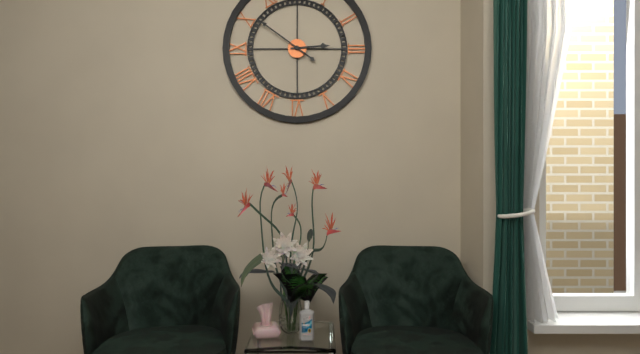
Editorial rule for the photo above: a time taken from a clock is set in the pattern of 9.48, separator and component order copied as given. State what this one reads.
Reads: 2.51
